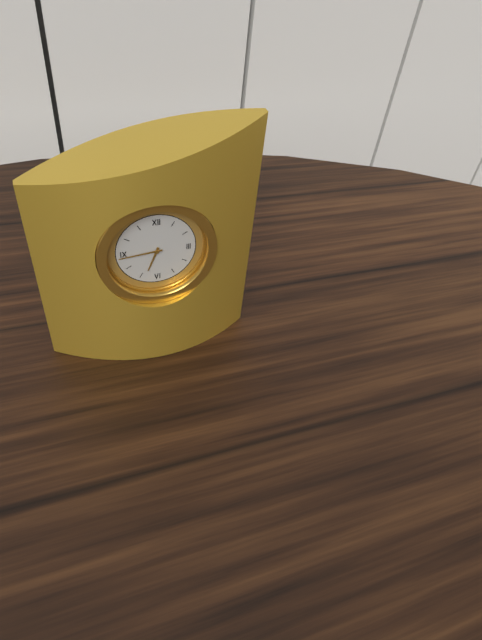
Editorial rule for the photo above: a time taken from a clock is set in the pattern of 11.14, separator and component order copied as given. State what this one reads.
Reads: 6.44
